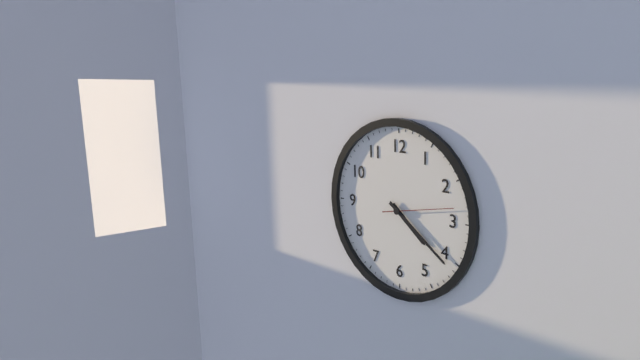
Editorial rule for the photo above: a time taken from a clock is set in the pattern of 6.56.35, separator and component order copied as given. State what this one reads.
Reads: 4.21.13
